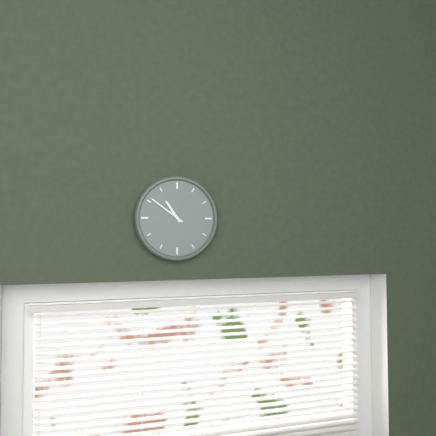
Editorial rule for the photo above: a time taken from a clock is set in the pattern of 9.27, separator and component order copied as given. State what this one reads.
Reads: 10.51
